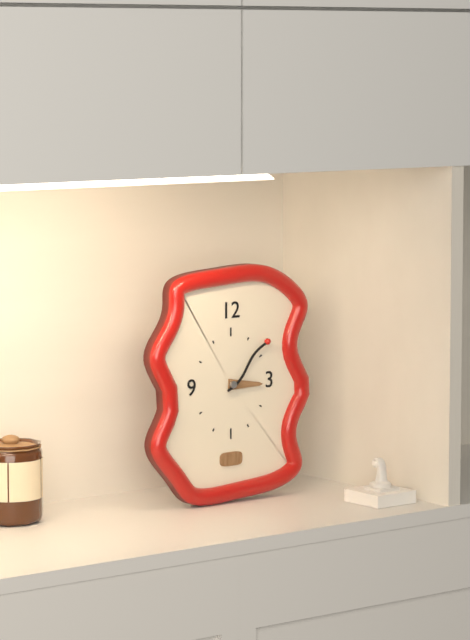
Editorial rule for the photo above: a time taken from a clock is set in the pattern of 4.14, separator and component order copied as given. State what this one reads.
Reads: 3.08
